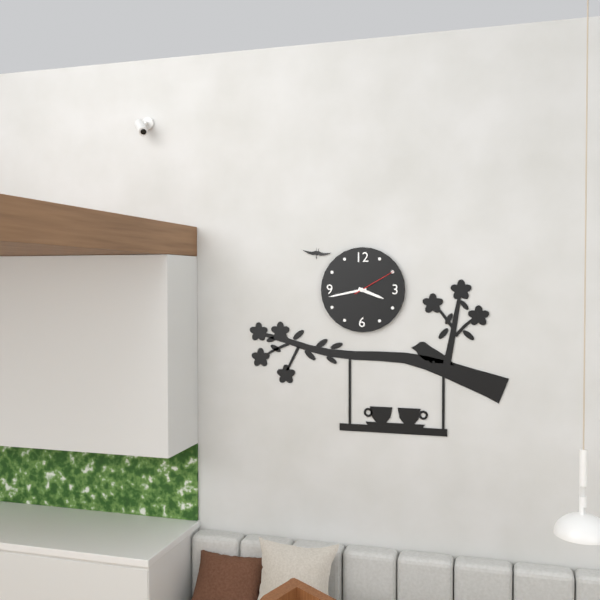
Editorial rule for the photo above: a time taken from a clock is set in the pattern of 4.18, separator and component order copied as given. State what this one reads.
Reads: 3.43
